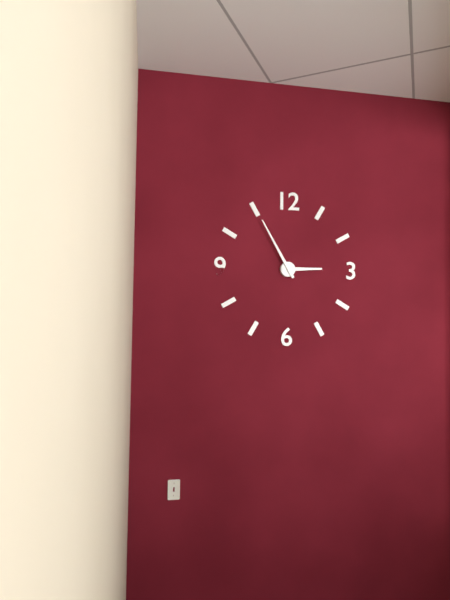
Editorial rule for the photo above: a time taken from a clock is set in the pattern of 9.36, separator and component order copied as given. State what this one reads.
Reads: 2.55
